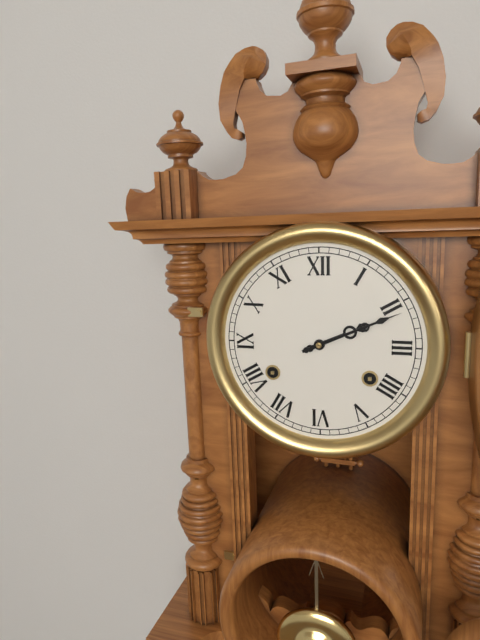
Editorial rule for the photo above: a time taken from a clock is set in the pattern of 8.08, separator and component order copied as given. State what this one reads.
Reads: 2.11
